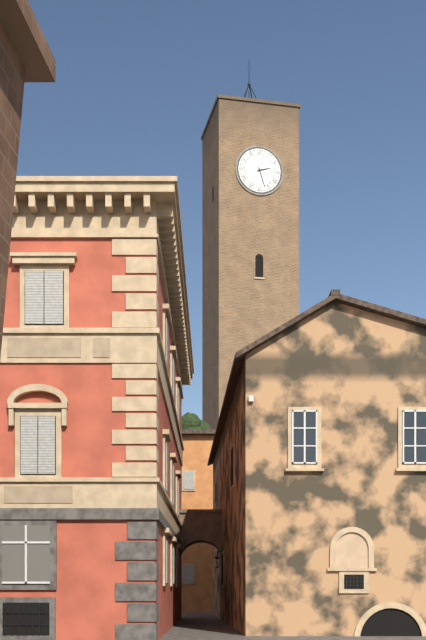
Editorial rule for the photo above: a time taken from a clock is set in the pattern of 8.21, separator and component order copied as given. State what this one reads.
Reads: 2.27
